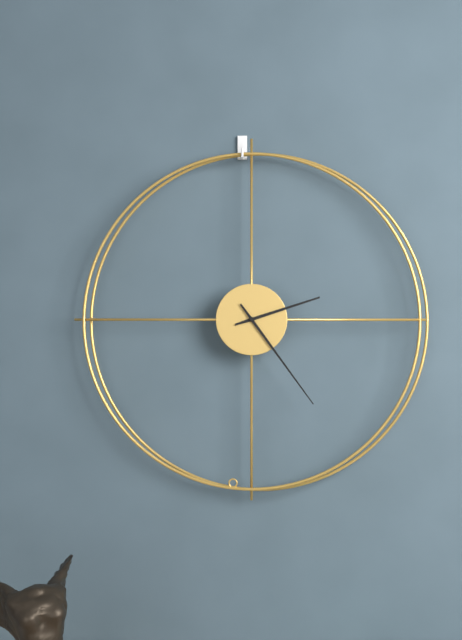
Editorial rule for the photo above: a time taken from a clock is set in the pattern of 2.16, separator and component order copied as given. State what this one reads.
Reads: 2.24
